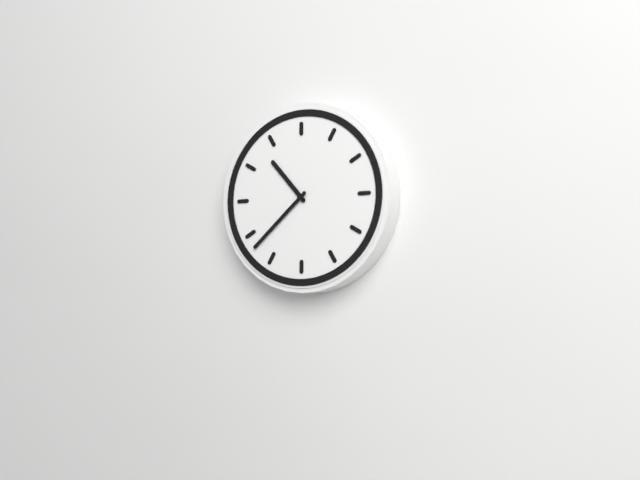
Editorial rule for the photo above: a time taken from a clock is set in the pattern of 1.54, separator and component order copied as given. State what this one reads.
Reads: 10.38
